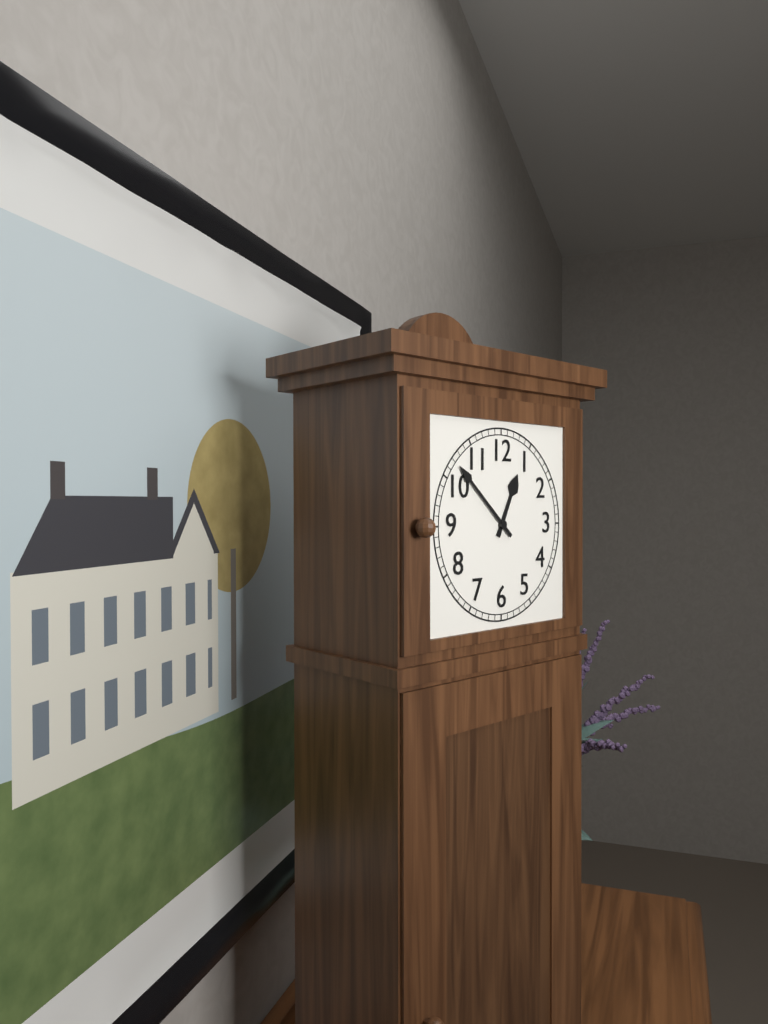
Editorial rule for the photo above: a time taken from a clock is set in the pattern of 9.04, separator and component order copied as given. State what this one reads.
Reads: 12.52
